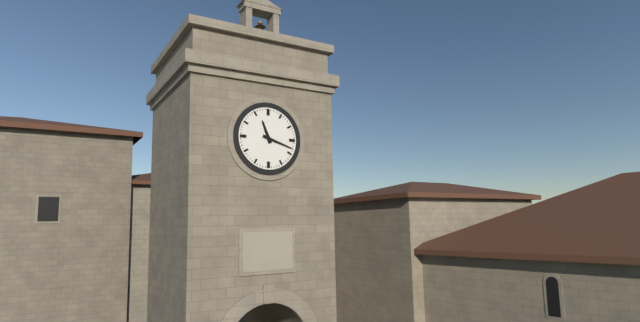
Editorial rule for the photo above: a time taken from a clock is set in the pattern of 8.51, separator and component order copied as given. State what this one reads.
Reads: 11.18
